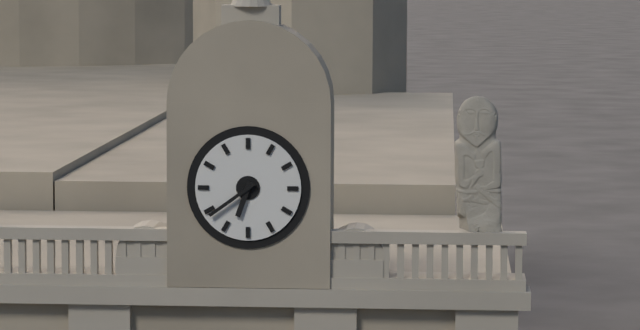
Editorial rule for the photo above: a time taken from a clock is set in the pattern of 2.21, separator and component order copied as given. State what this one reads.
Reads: 6.39
